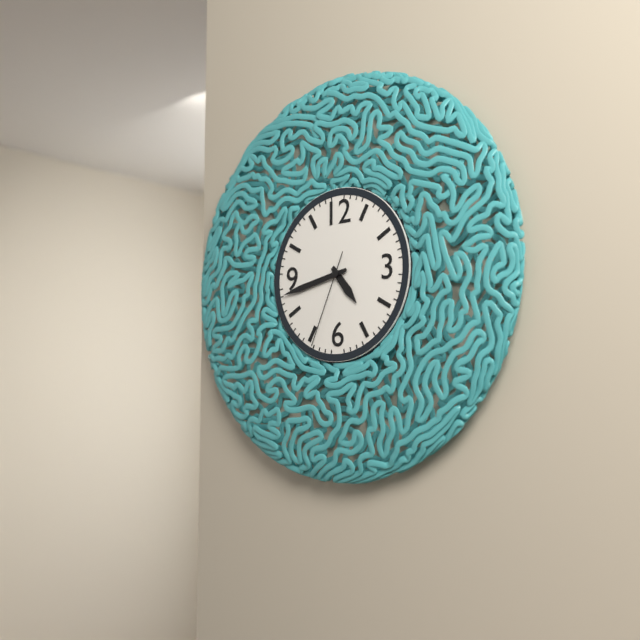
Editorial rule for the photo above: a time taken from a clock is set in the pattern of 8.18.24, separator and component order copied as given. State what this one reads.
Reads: 4.43.34
